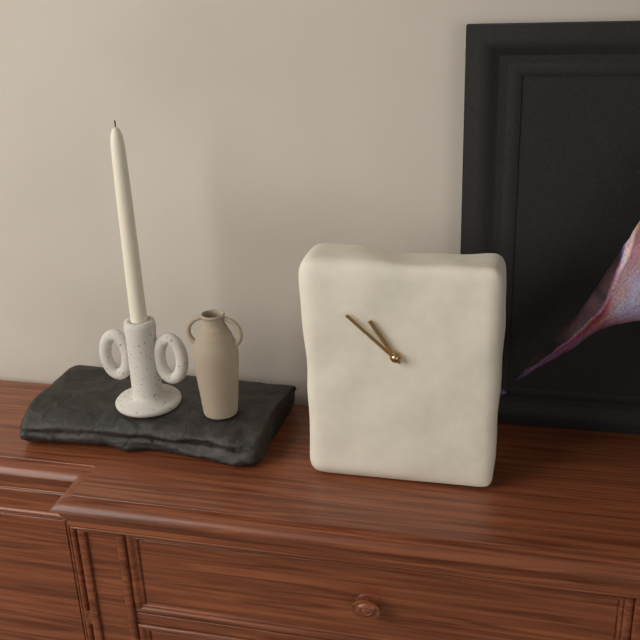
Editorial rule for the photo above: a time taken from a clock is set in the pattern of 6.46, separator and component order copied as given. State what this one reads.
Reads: 10.52
